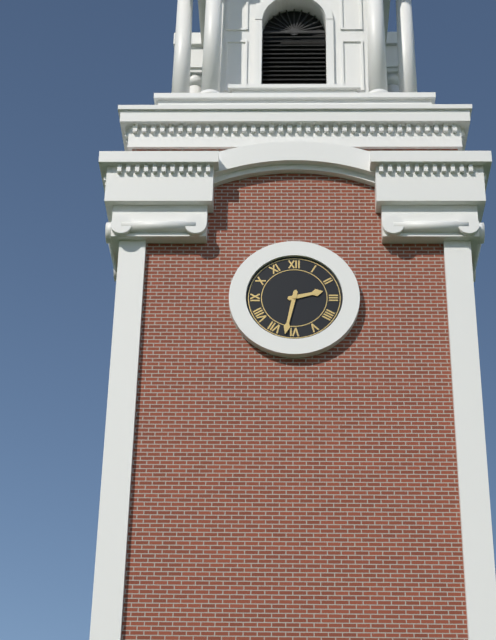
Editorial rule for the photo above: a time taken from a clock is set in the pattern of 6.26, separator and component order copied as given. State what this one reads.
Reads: 2.32
